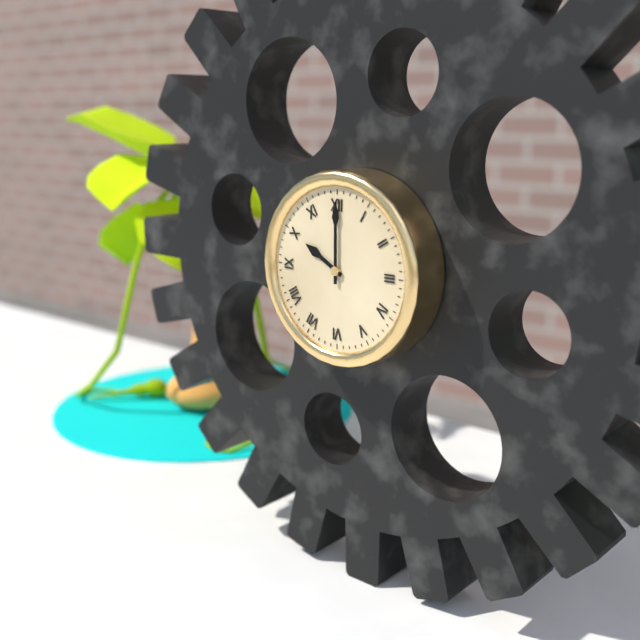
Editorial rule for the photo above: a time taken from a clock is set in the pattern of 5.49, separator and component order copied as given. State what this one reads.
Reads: 10.00
